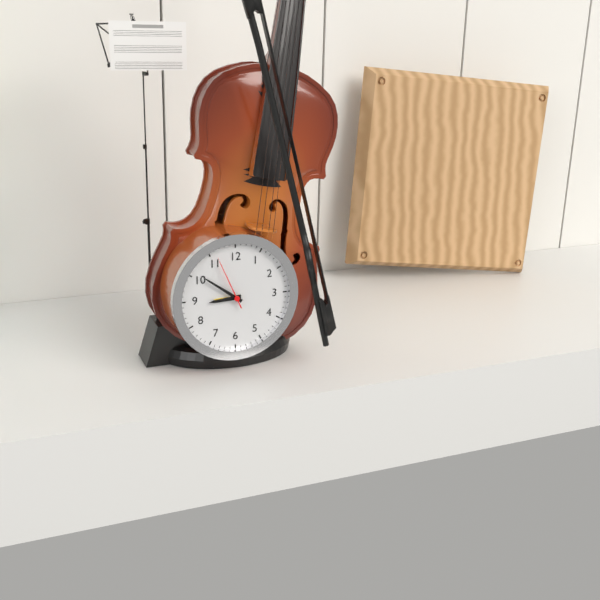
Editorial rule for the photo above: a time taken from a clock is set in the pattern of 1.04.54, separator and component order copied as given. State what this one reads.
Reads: 8.51.56
